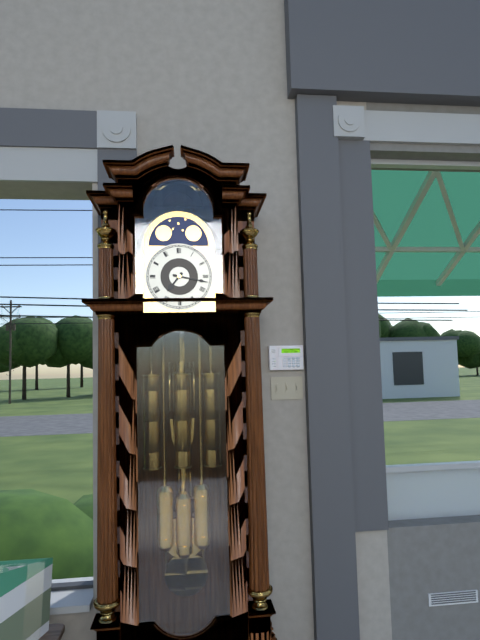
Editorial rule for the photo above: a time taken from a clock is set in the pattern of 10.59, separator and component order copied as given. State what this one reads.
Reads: 7.17
